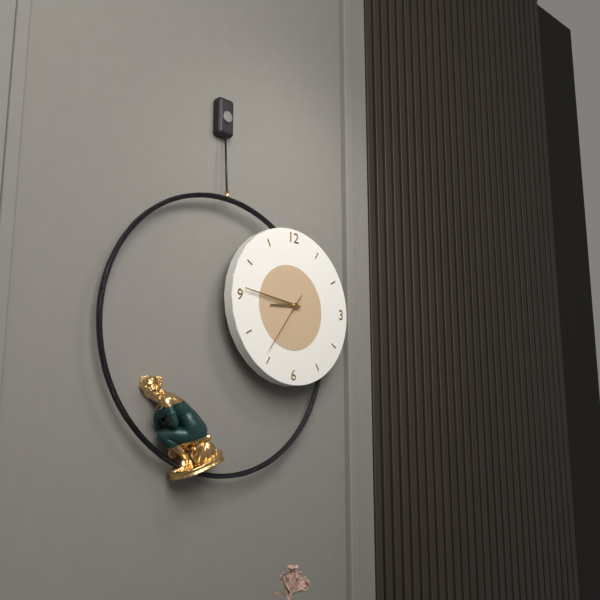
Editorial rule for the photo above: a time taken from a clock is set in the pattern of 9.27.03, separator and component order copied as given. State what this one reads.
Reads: 8.46.36
